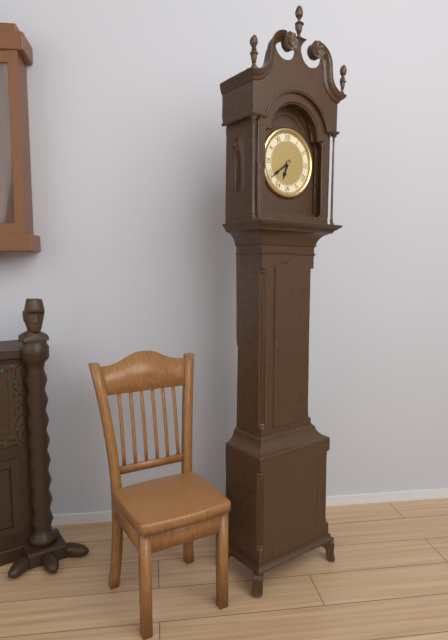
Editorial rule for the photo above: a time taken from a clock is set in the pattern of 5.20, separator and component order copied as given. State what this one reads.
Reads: 6.39
